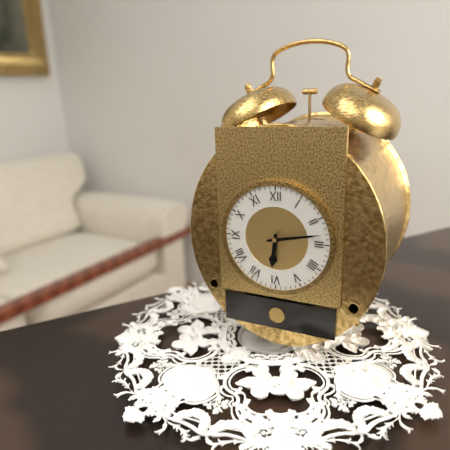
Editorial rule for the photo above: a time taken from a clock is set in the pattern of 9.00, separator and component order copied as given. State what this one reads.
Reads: 6.13
